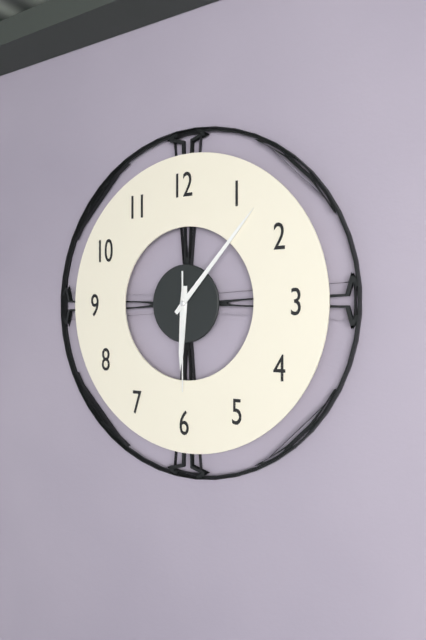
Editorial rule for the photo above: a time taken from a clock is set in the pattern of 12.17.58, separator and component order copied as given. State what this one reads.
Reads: 6.07.30
